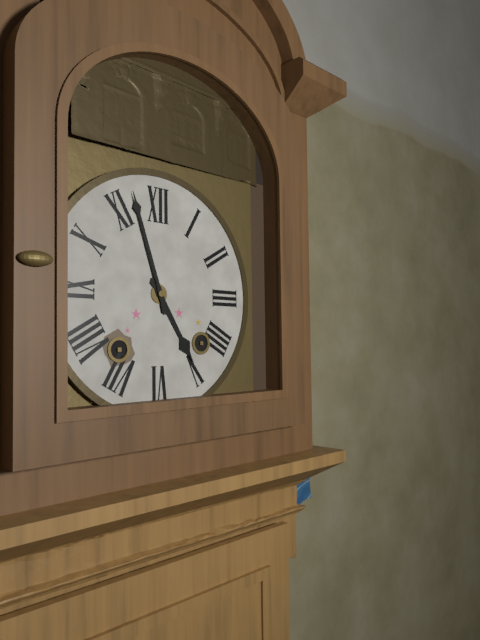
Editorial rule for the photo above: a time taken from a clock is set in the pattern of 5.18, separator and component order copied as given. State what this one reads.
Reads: 4.57
